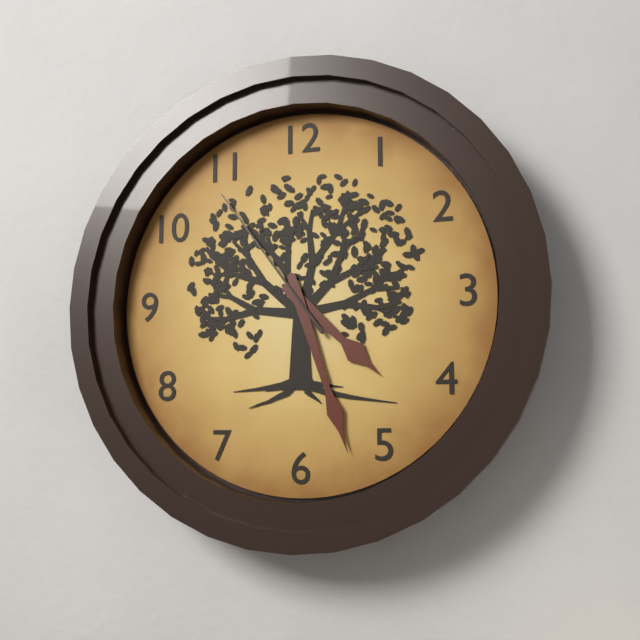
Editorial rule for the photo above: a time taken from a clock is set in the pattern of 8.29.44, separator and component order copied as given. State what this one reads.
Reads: 4.27.54
